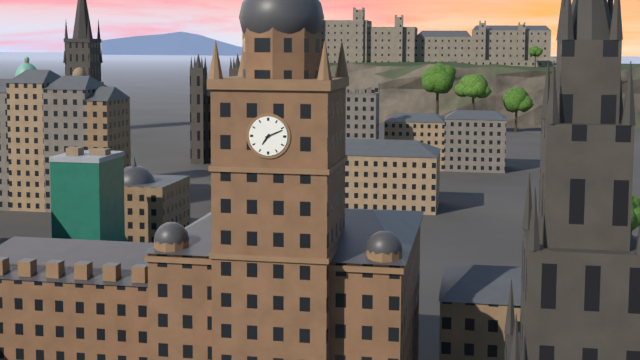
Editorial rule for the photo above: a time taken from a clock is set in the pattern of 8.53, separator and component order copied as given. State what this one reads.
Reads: 7.11
